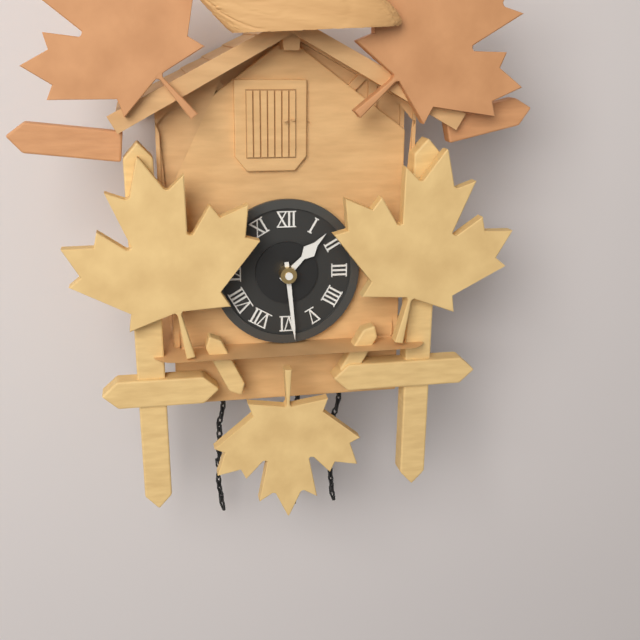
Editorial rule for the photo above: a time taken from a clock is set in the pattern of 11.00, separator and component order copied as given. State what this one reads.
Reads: 1.29
